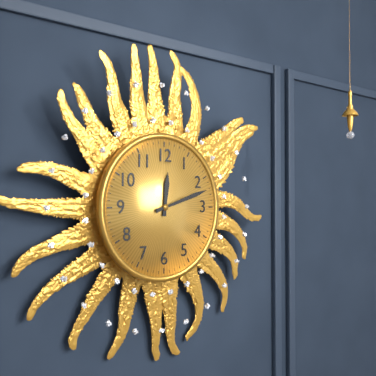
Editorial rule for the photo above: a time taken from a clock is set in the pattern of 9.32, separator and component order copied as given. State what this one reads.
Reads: 12.12
